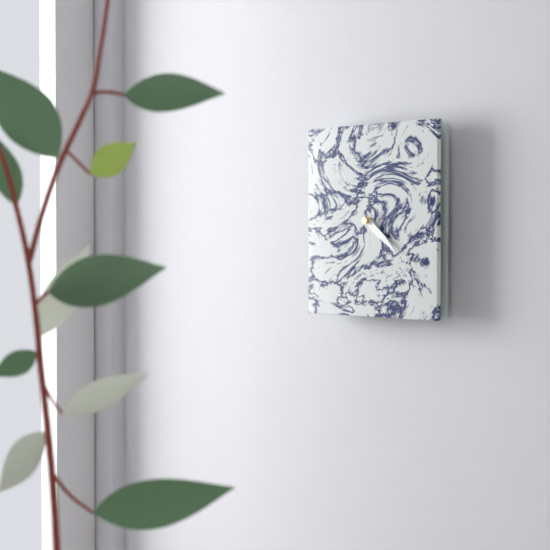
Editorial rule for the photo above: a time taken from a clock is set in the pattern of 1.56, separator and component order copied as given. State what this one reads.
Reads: 4.21
